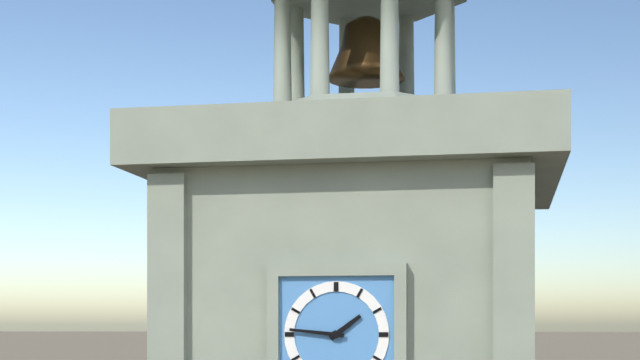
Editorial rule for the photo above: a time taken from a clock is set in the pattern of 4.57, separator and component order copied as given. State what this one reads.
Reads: 1.46
